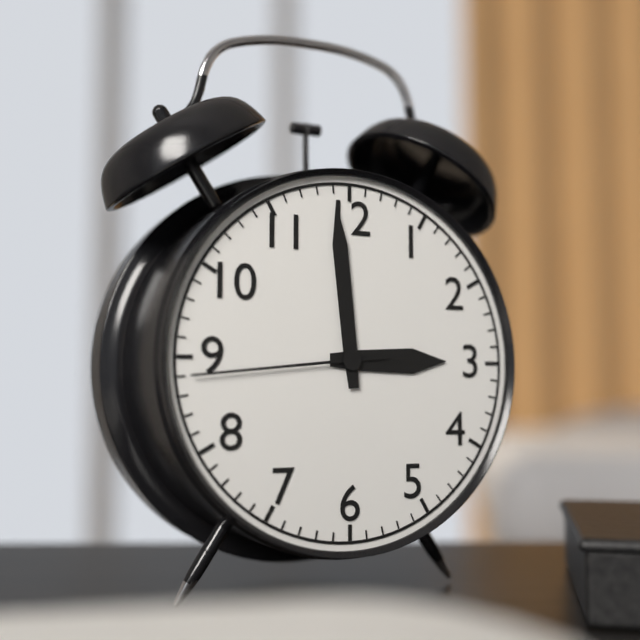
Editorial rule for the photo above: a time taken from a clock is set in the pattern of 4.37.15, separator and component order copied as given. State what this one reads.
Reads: 2.59.44
